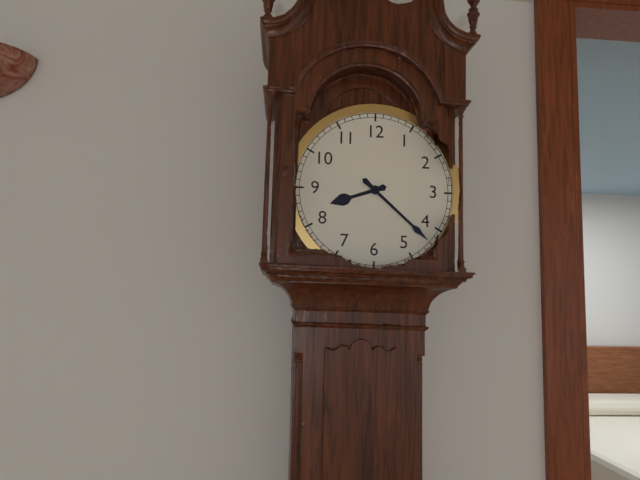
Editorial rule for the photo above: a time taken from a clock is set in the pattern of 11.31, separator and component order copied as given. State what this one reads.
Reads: 8.22
